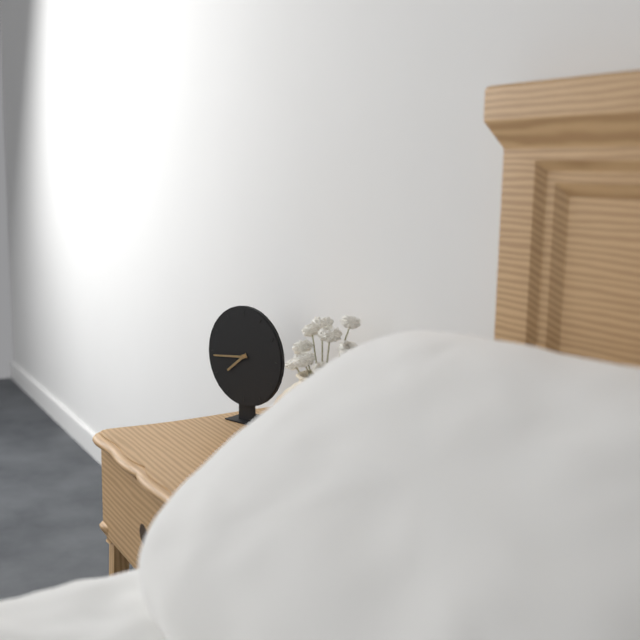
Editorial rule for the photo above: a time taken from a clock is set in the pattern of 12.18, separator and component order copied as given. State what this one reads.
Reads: 7.44
